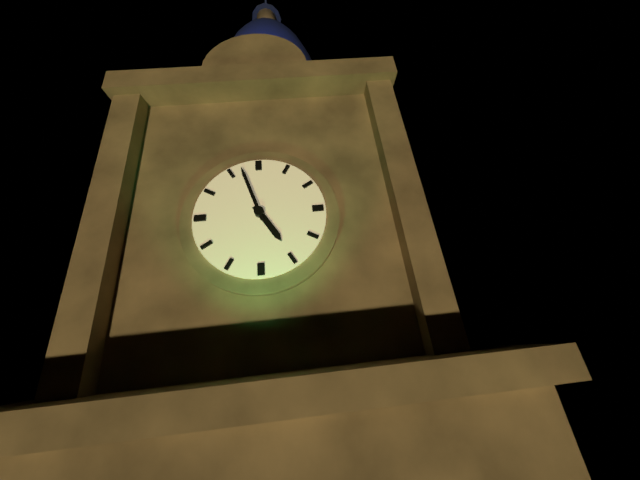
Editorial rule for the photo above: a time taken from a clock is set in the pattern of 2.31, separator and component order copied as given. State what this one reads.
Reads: 4.57
